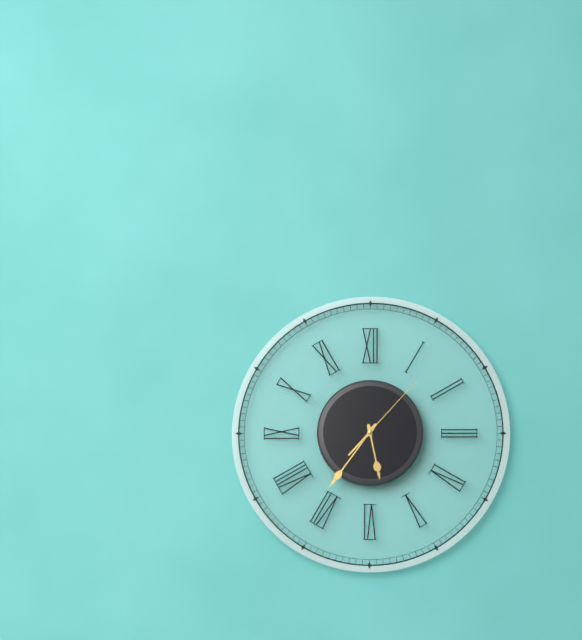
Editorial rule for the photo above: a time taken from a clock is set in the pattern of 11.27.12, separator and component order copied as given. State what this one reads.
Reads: 5.36.07
